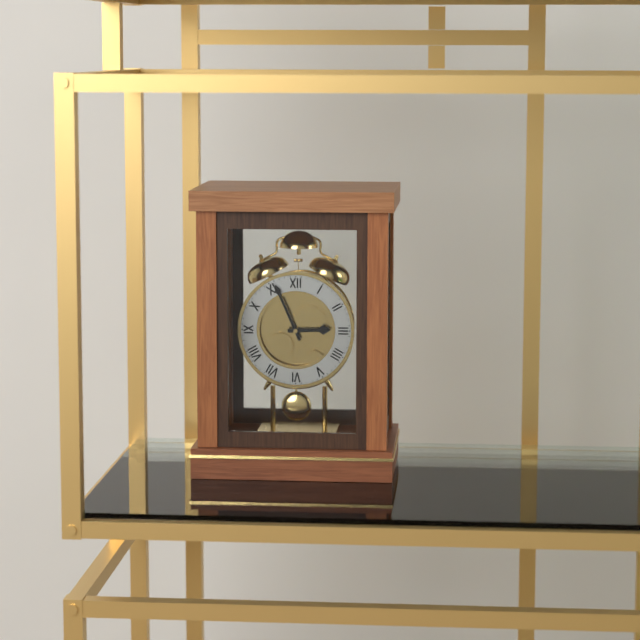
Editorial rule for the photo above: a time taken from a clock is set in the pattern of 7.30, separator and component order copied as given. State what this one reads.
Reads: 2.56
